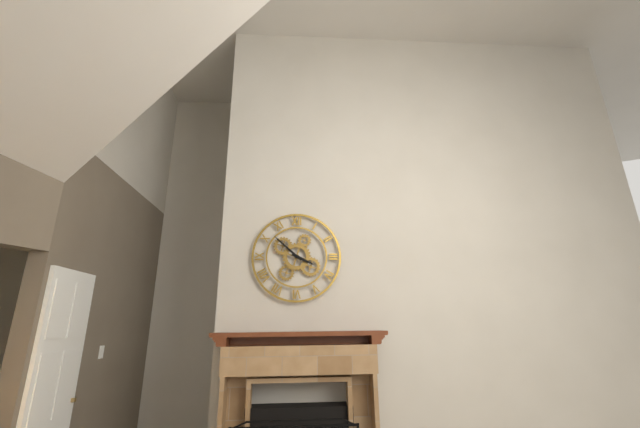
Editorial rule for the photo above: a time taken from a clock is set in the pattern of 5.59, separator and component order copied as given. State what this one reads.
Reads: 3.52
